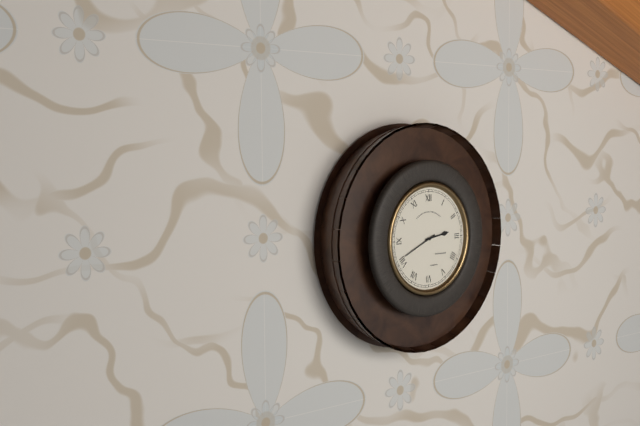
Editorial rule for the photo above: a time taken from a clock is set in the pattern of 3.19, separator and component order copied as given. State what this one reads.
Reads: 2.41
